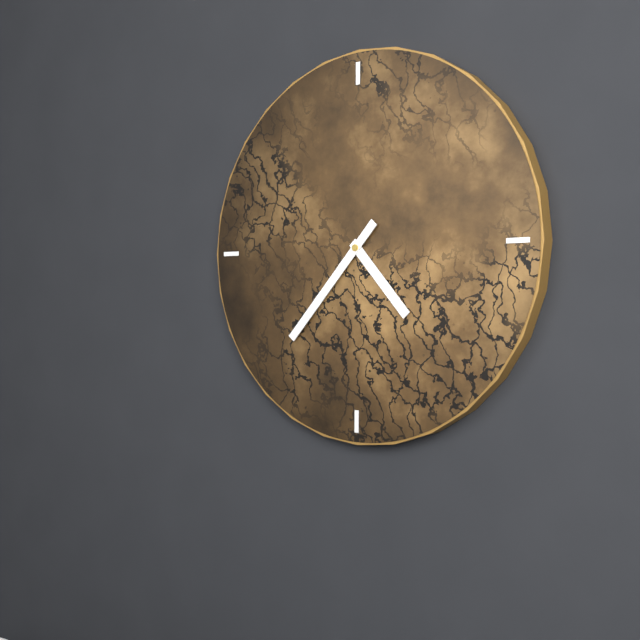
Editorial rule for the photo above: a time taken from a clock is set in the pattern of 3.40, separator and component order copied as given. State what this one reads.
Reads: 4.37
